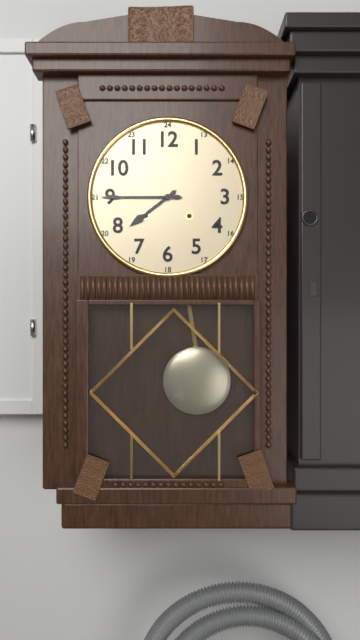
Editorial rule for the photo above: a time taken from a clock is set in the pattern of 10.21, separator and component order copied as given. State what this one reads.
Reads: 7.45
